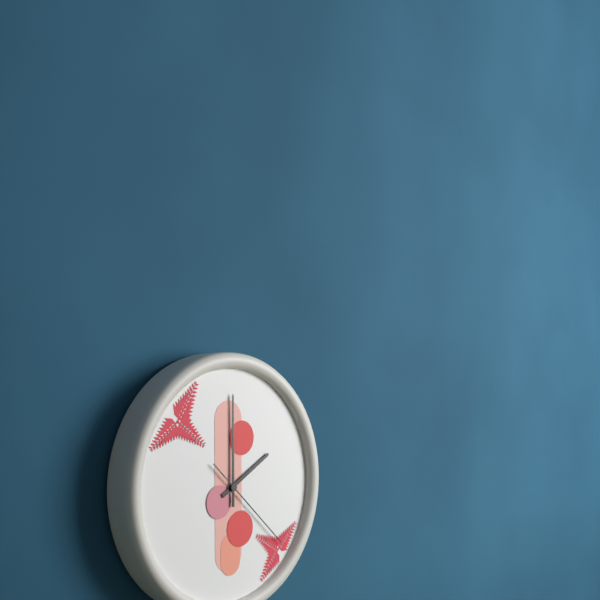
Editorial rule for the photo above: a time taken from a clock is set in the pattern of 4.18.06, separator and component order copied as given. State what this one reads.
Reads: 2.00.22
